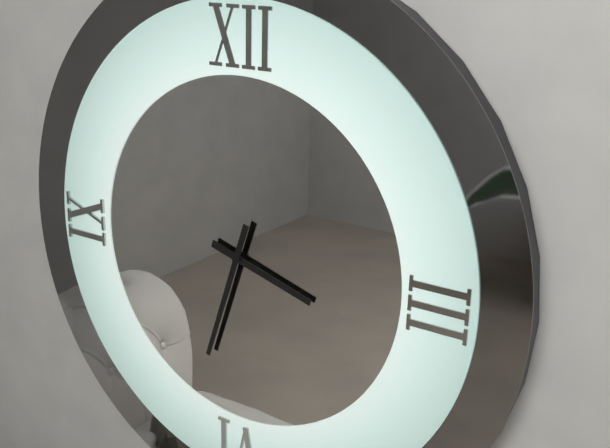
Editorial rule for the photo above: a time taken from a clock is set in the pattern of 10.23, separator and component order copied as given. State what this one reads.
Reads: 3.33
